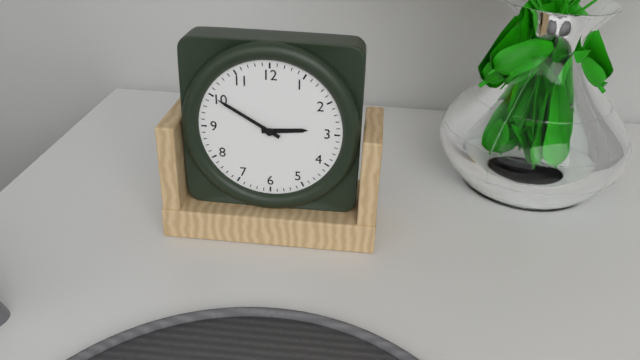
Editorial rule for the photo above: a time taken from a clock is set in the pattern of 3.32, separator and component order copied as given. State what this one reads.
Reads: 2.50
